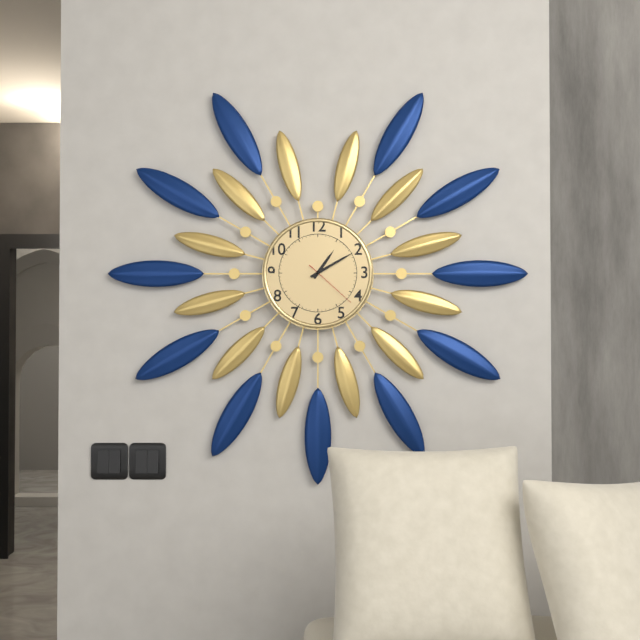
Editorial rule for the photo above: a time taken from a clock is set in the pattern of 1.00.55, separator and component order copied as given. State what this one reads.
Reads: 1.10.22
